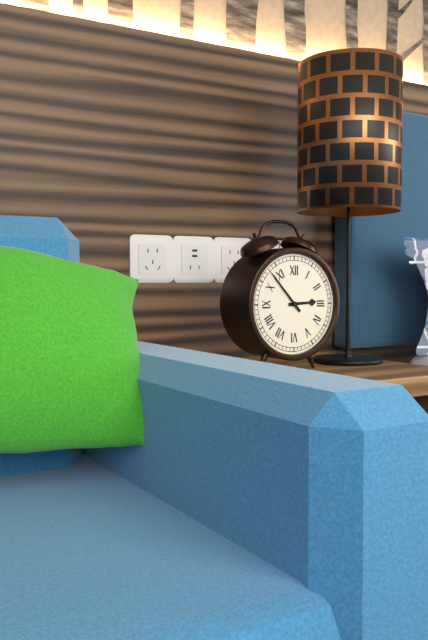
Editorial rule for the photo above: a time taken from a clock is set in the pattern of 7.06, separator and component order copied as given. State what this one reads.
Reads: 2.53
